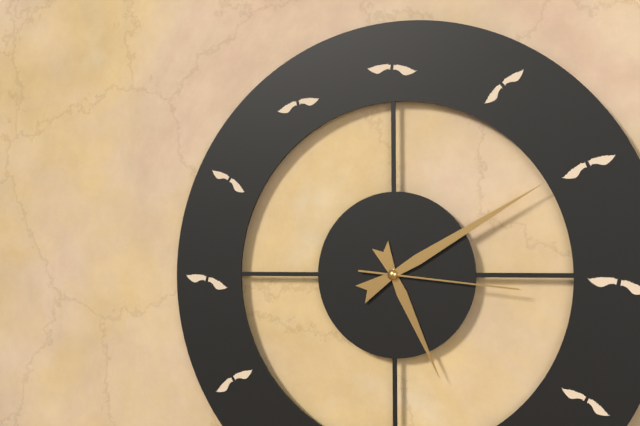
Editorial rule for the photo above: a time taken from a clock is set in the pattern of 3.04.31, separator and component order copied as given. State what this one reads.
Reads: 5.10.16
